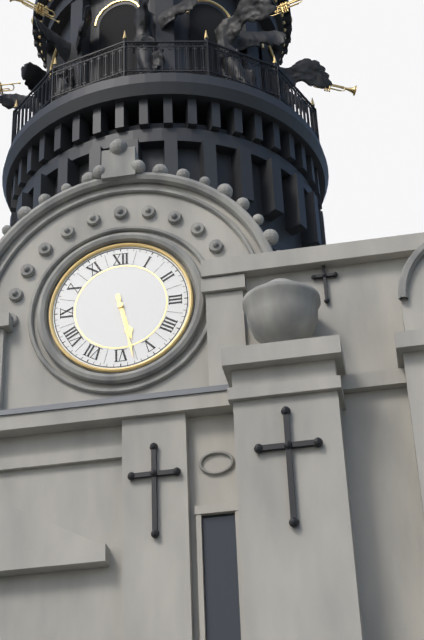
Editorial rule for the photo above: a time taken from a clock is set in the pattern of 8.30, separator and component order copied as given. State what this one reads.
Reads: 5.28
